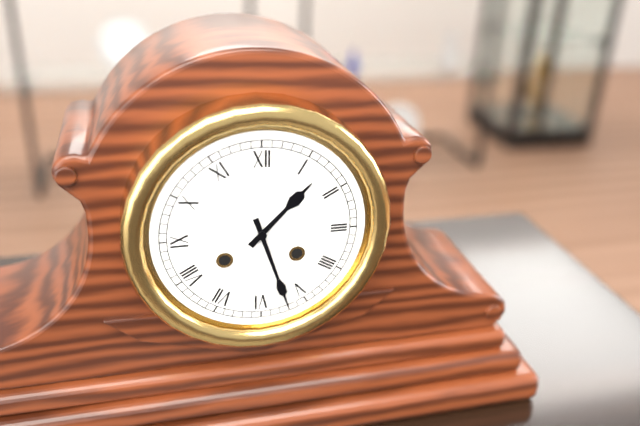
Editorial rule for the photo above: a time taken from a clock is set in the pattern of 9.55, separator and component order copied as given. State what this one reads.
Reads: 1.27
